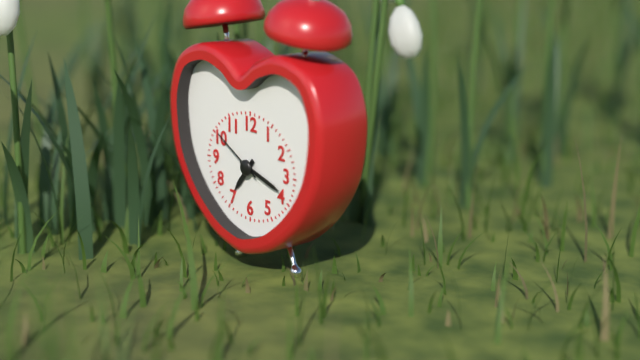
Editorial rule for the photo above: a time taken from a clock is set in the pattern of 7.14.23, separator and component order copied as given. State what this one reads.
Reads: 7.18.50
